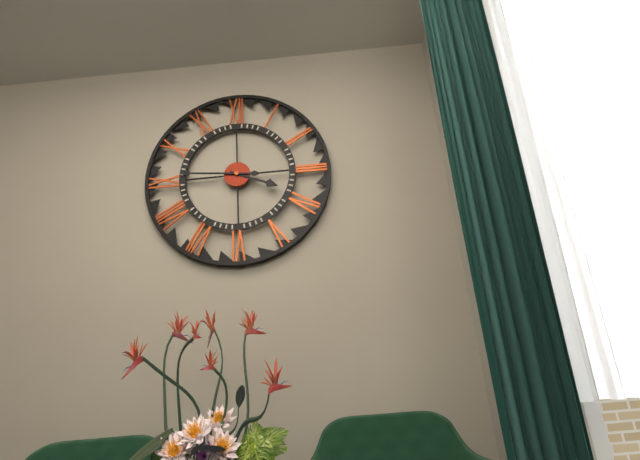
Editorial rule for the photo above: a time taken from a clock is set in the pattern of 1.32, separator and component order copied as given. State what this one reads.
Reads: 3.46
